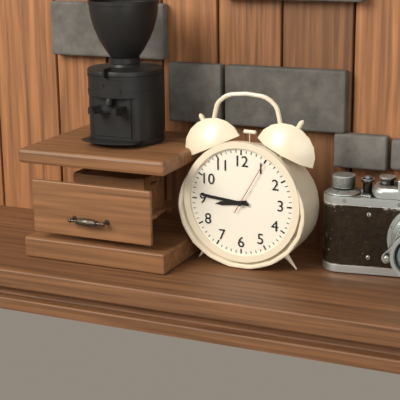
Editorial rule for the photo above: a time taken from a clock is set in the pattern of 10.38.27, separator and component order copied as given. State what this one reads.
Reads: 8.46.05
